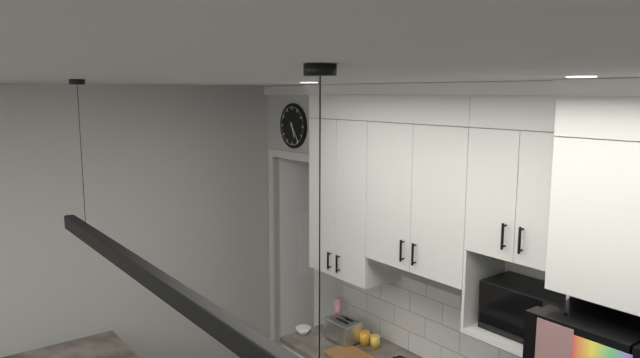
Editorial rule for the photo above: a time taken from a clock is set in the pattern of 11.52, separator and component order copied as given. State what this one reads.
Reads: 5.24
